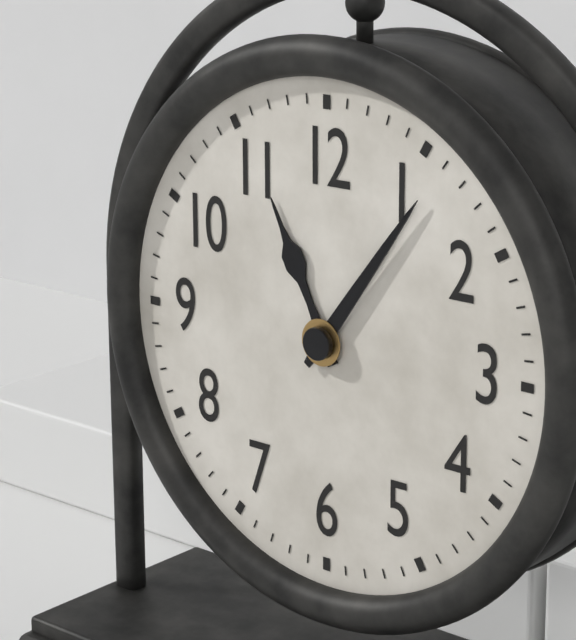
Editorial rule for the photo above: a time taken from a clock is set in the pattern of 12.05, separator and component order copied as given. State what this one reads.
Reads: 11.06
